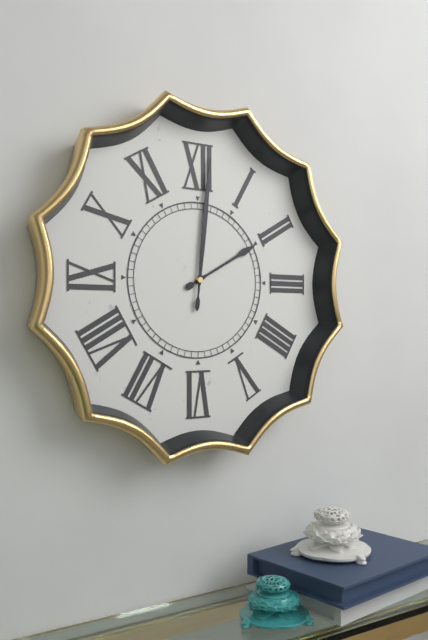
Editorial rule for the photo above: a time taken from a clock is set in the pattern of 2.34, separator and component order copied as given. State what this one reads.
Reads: 2.01
